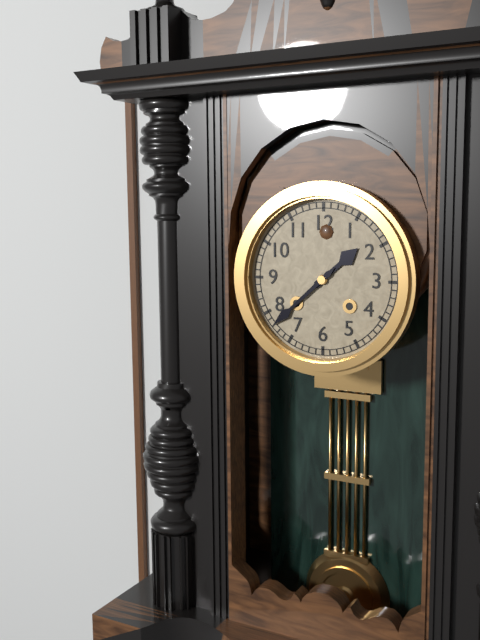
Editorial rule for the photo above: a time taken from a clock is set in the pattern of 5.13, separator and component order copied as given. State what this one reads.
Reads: 1.38
